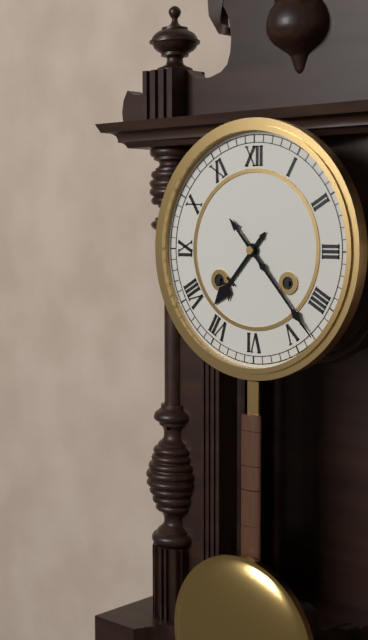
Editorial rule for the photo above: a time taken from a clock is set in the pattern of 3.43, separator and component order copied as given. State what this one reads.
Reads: 7.23
